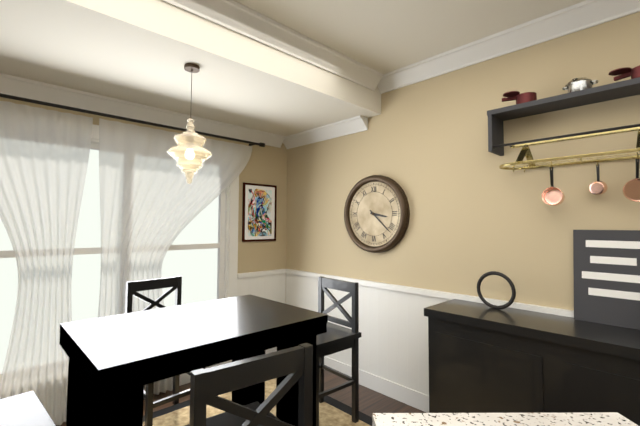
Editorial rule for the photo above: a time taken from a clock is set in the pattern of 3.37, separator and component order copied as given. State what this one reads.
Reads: 3.22
